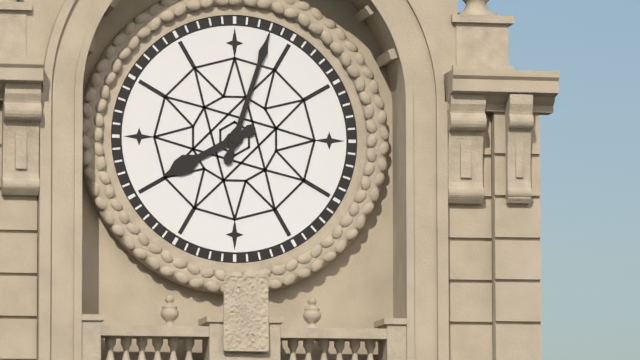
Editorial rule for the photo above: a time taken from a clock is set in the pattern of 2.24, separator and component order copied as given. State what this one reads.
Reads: 8.03
